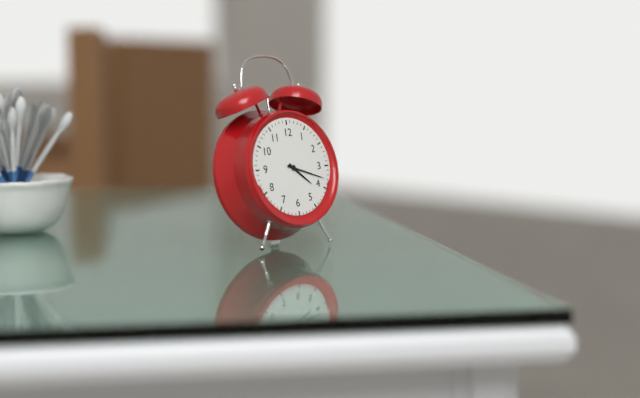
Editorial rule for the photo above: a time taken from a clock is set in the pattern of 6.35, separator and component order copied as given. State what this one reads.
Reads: 4.18
